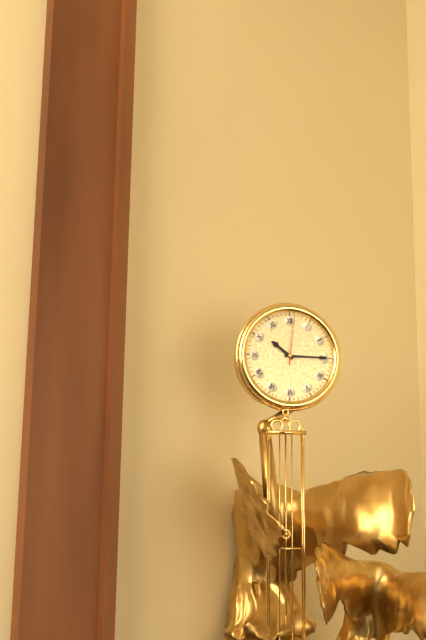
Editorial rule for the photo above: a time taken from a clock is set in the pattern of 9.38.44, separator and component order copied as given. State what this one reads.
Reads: 10.15.01
